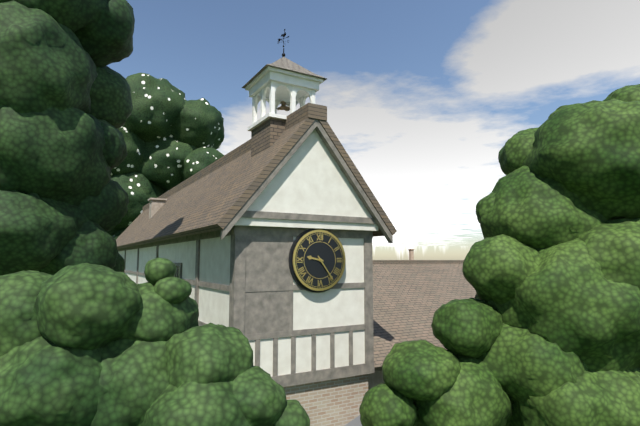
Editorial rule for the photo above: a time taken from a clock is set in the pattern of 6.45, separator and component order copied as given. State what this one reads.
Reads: 9.24
